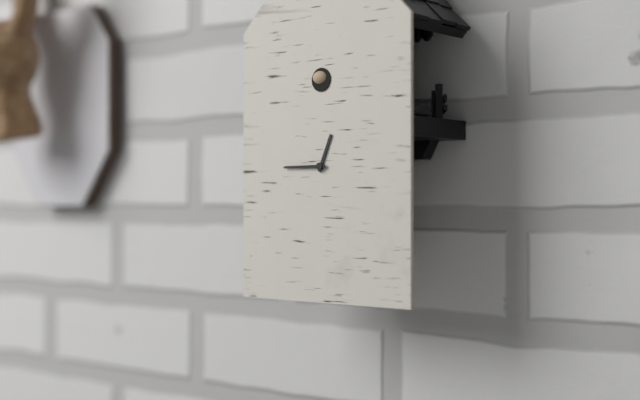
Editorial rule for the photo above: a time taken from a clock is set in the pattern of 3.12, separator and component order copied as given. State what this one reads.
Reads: 12.45
